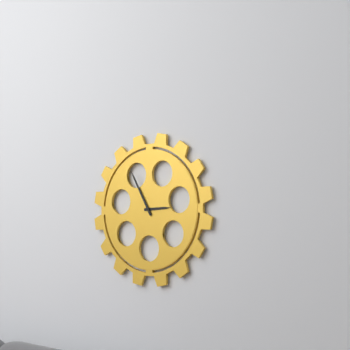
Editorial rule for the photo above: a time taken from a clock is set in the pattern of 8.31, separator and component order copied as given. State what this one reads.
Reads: 2.55
